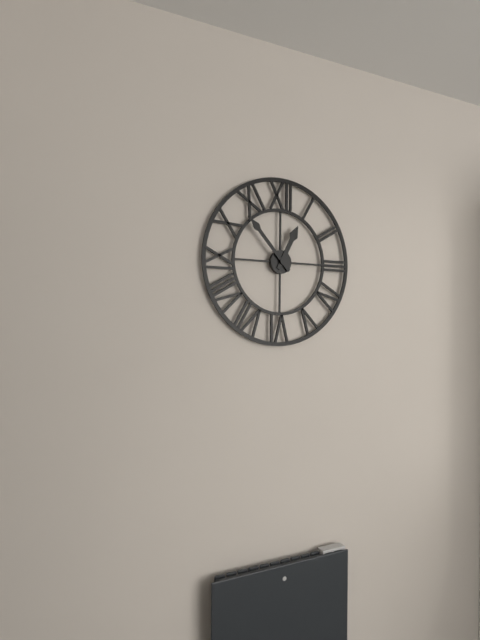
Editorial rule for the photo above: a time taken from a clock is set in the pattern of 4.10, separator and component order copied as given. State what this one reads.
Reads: 12.53
